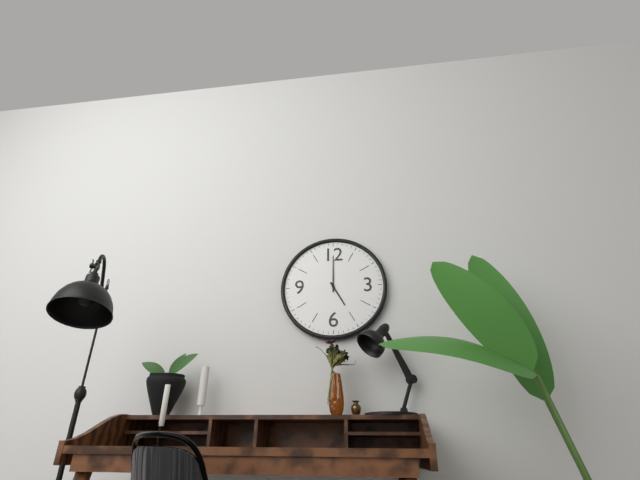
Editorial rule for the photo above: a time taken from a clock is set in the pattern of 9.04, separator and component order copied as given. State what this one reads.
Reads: 5.00
